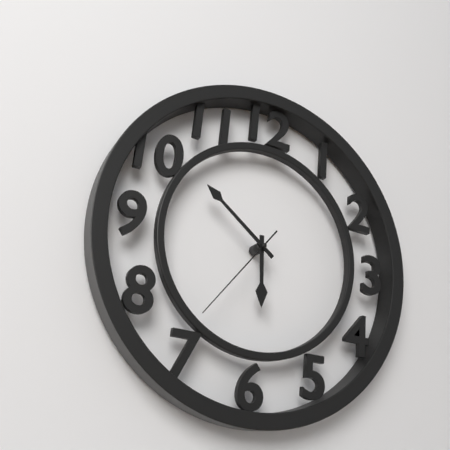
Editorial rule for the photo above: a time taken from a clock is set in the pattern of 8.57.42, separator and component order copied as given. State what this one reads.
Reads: 5.51.36
